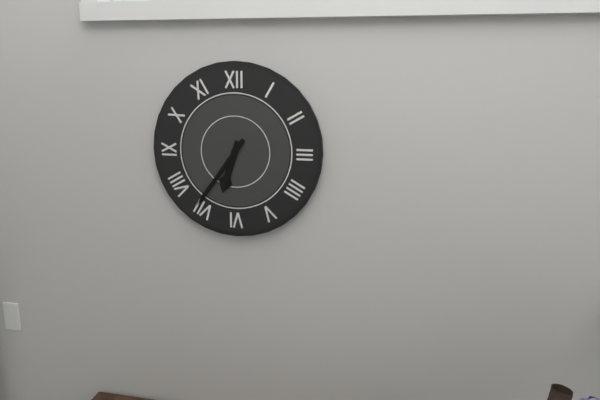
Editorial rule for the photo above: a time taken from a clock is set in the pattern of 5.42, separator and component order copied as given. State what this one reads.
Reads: 6.36
